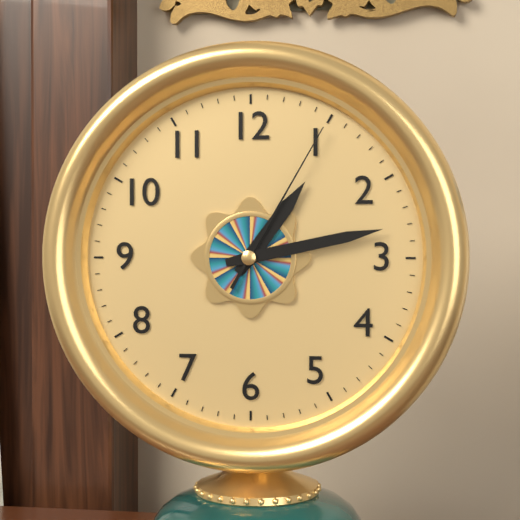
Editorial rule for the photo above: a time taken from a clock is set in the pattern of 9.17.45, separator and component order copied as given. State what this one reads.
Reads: 1.13.05
